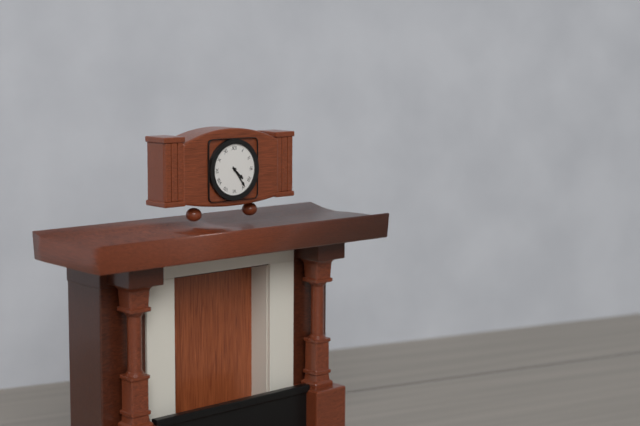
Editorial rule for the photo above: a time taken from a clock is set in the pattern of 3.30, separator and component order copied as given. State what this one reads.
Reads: 4.24
